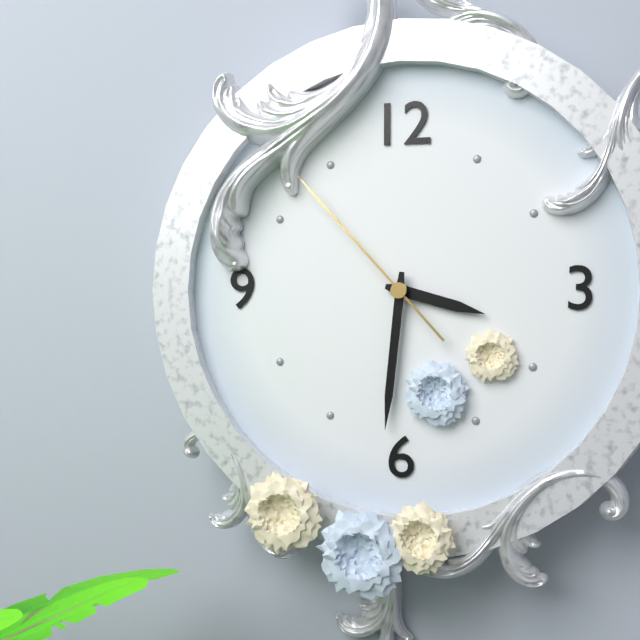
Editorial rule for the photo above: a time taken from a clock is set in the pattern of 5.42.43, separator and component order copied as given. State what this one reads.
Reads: 3.31.53
